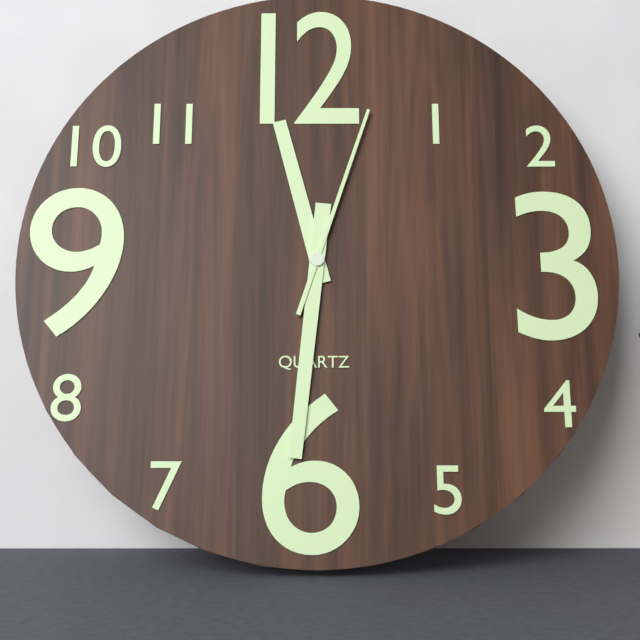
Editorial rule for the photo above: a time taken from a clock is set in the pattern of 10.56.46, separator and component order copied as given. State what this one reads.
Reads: 11.31.03
